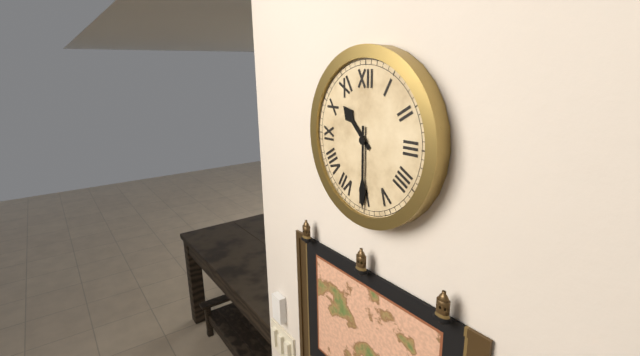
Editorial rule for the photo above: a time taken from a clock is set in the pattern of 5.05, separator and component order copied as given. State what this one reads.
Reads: 10.30
